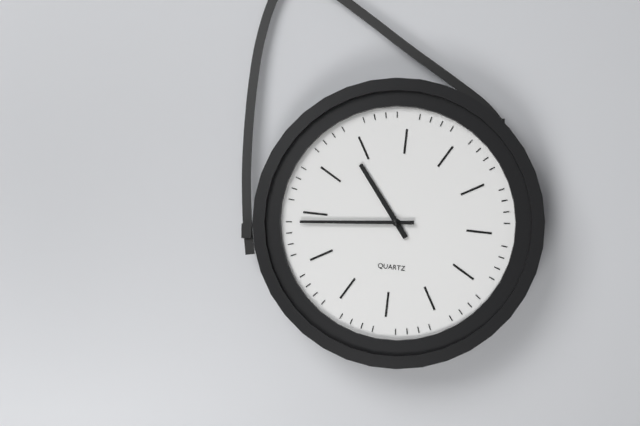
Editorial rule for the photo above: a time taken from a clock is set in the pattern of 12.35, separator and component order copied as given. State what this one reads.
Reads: 10.44
